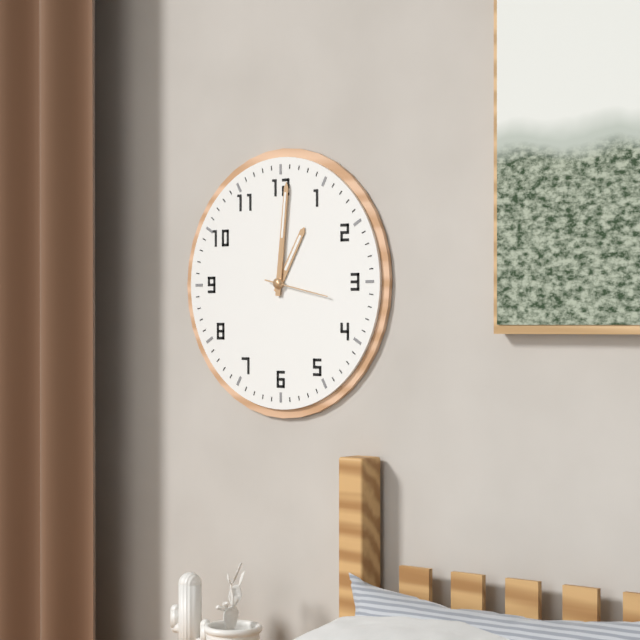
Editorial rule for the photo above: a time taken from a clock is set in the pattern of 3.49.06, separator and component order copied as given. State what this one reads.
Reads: 1.01.17
